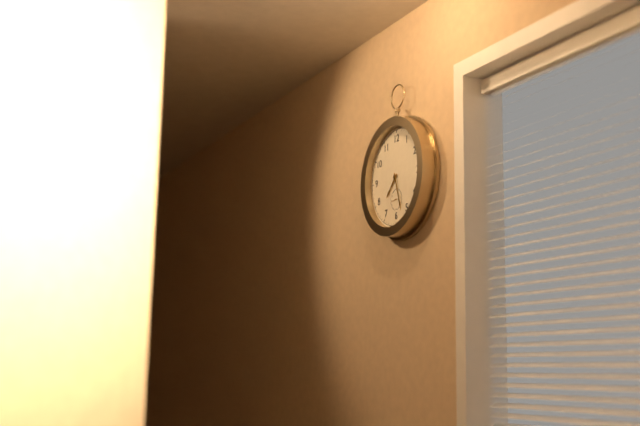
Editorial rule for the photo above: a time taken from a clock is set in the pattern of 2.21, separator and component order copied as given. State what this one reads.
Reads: 7.27
